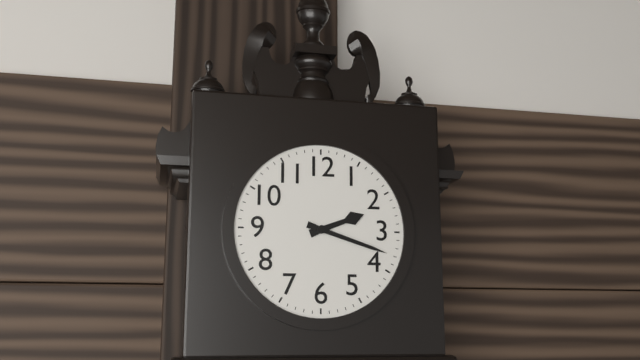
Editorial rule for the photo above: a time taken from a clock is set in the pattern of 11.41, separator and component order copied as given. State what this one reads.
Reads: 2.18
